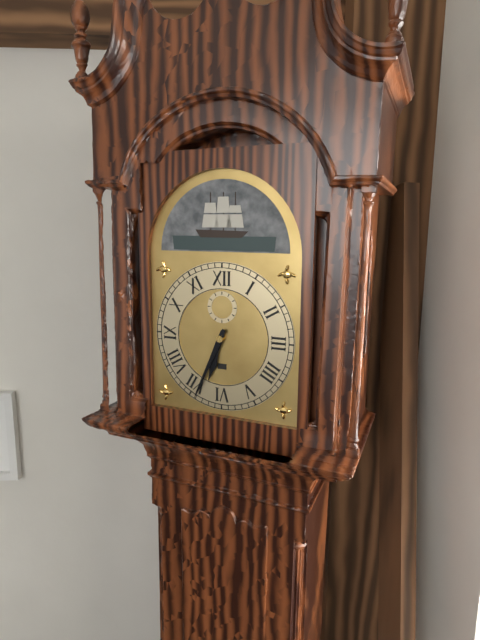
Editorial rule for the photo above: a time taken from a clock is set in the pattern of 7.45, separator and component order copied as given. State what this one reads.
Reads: 6.34
